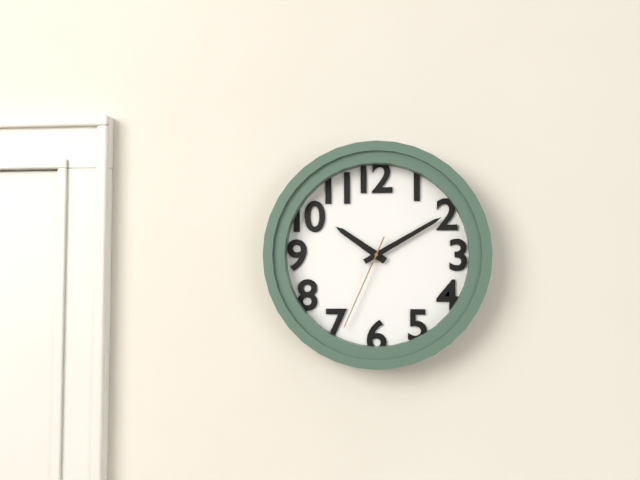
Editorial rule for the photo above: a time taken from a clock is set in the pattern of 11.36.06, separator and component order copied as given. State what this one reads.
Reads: 10.10.34
